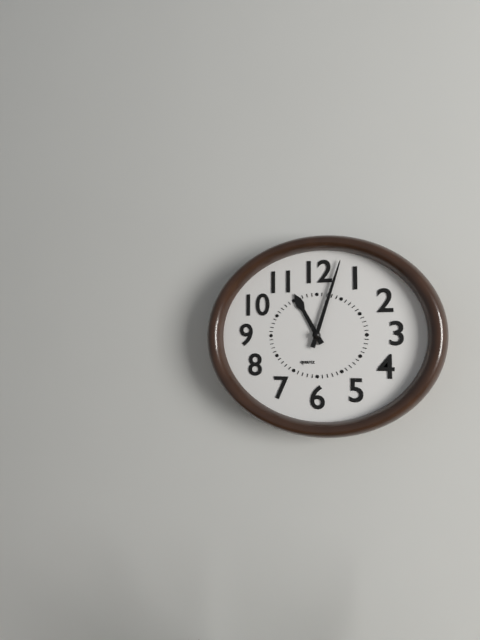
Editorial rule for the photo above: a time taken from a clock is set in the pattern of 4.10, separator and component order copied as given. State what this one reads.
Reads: 11.03
